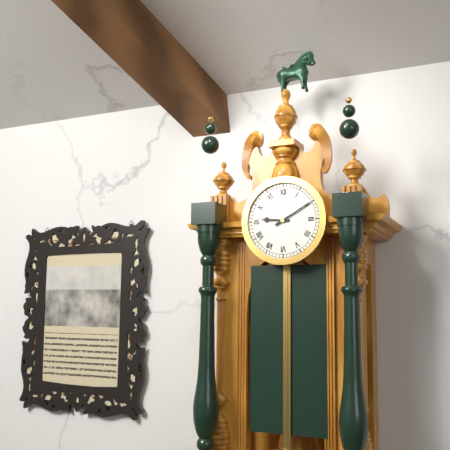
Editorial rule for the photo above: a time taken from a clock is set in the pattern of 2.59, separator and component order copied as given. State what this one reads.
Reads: 9.10
